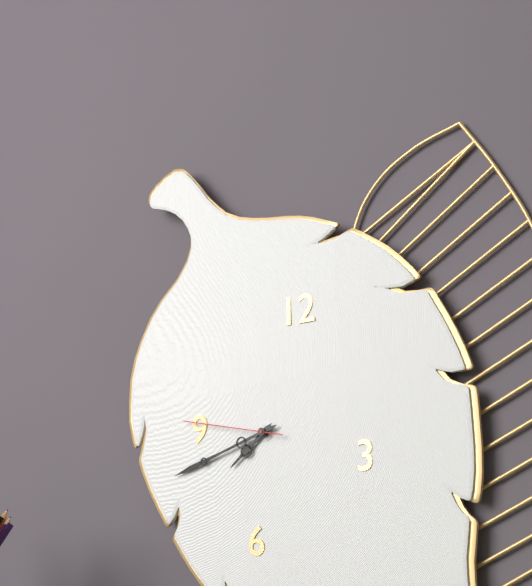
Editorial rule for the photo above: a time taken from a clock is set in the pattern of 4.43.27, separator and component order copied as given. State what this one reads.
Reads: 7.42.47
